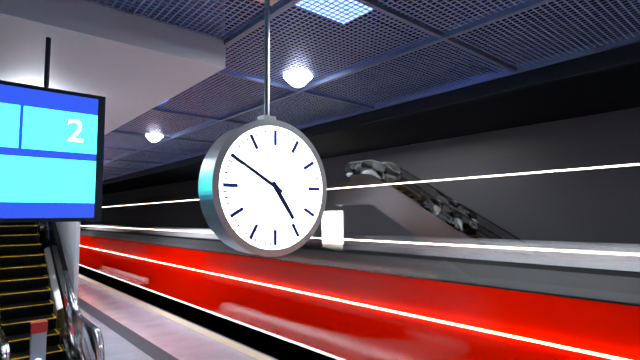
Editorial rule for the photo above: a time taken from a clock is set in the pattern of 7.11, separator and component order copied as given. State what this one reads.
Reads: 4.50
